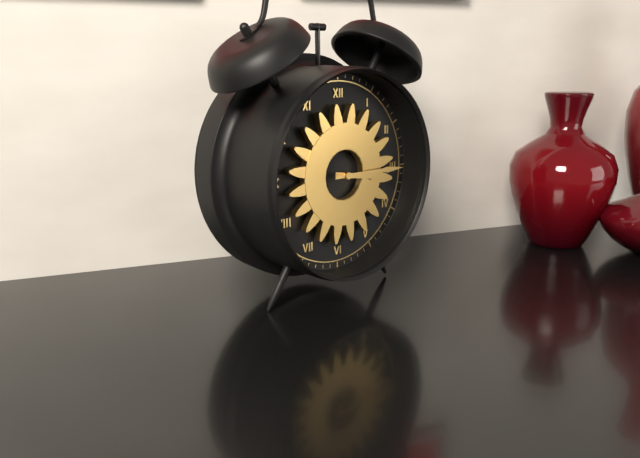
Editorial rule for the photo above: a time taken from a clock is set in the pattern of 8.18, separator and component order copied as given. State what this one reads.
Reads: 3.15
